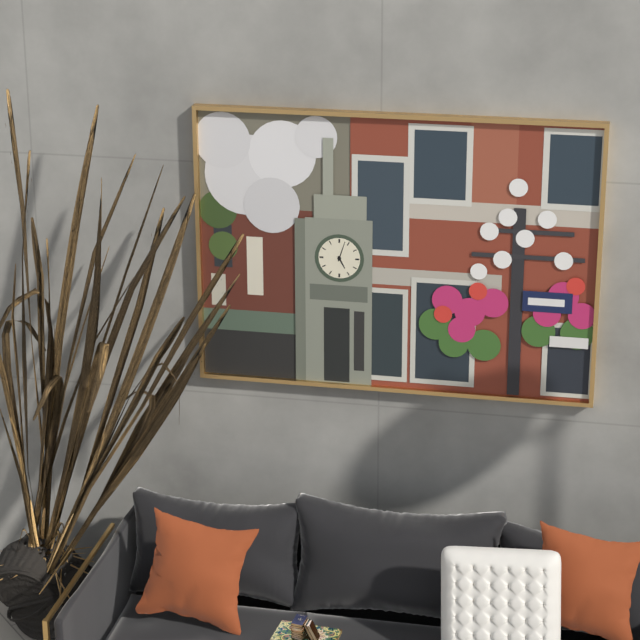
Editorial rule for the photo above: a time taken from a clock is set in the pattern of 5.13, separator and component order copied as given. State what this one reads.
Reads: 5.03
